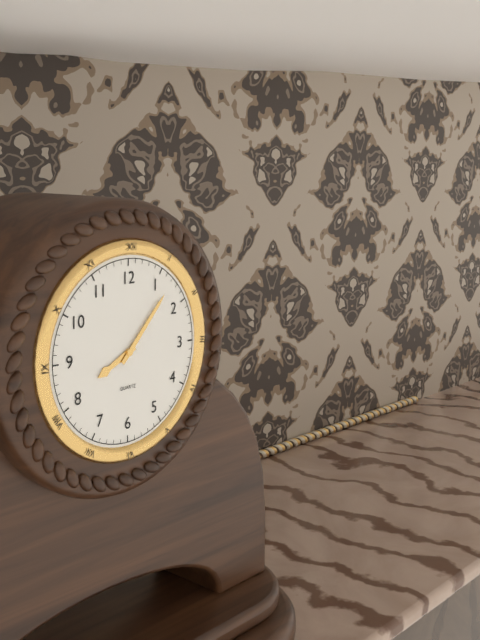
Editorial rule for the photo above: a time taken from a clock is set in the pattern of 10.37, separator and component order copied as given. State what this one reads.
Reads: 8.07
